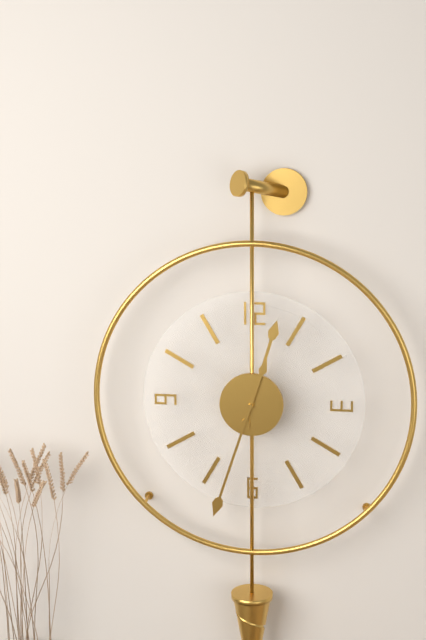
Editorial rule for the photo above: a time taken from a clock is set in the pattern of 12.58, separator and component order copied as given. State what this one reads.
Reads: 12.33
